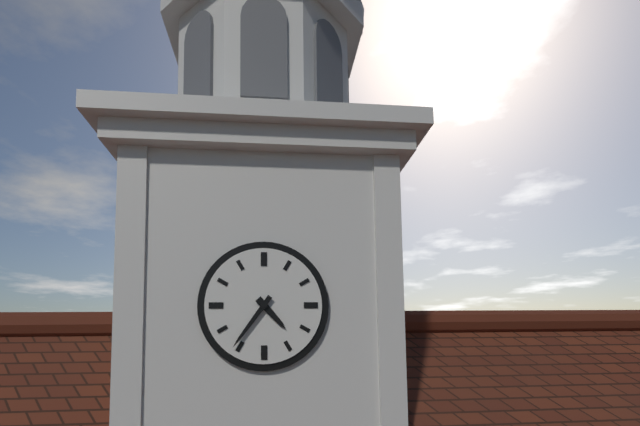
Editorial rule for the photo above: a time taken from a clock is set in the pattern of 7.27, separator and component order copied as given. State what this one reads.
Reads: 4.36
